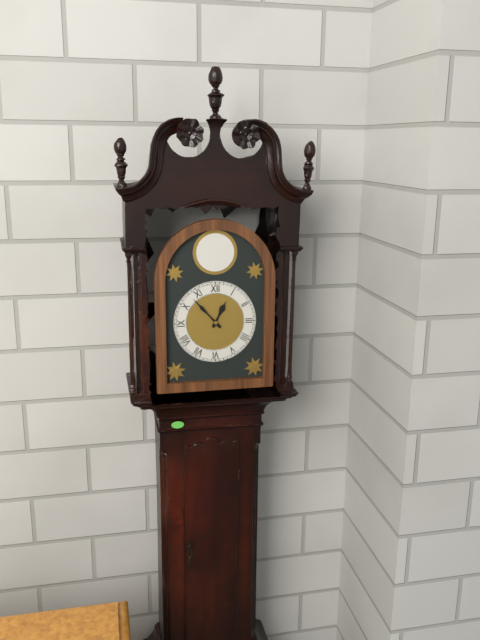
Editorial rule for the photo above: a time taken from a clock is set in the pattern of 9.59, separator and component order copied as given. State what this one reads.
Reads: 12.53
